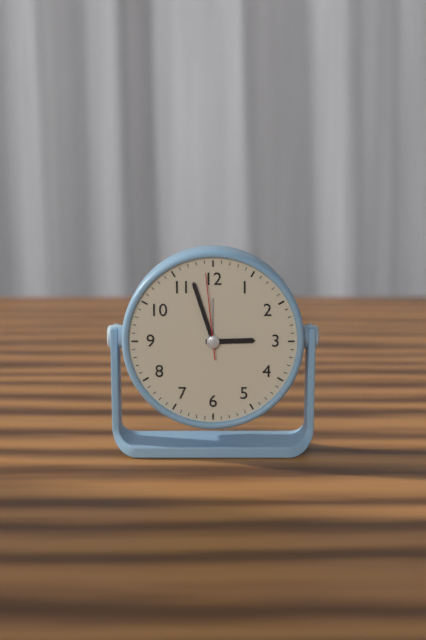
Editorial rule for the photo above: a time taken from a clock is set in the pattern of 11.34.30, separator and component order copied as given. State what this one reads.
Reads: 2.57.59
